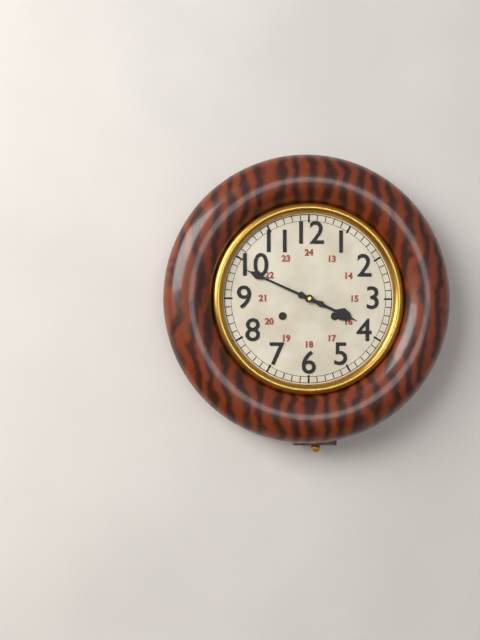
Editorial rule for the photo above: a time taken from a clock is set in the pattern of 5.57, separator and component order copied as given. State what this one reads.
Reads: 3.49
